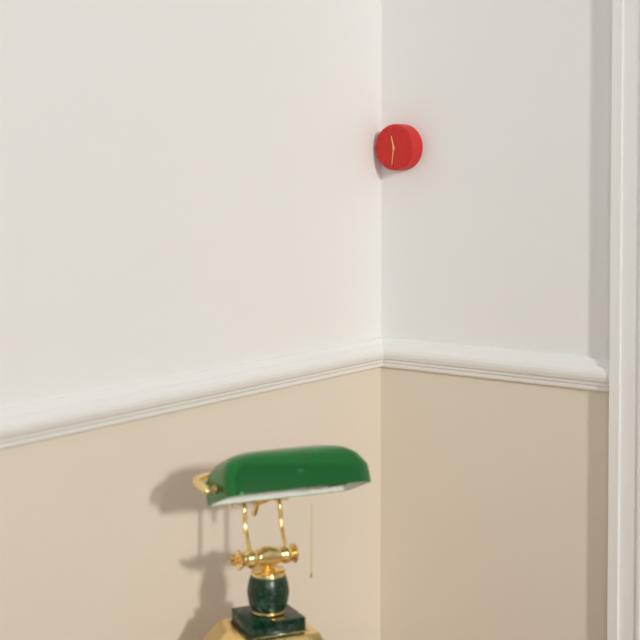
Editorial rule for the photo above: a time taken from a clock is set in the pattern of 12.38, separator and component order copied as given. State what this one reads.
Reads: 11.31
